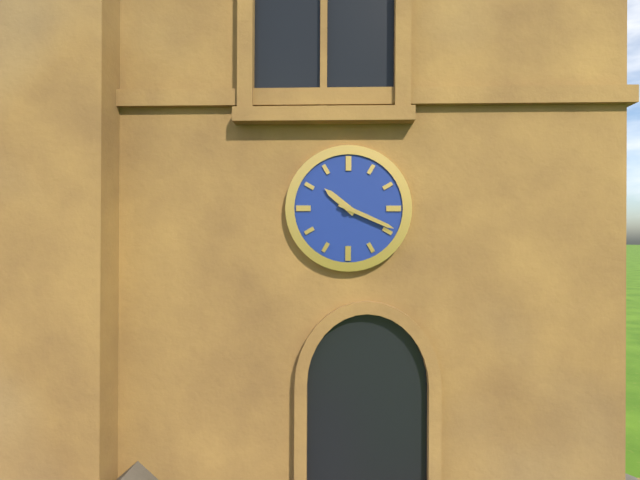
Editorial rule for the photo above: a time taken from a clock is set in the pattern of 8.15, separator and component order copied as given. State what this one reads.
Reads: 10.19
